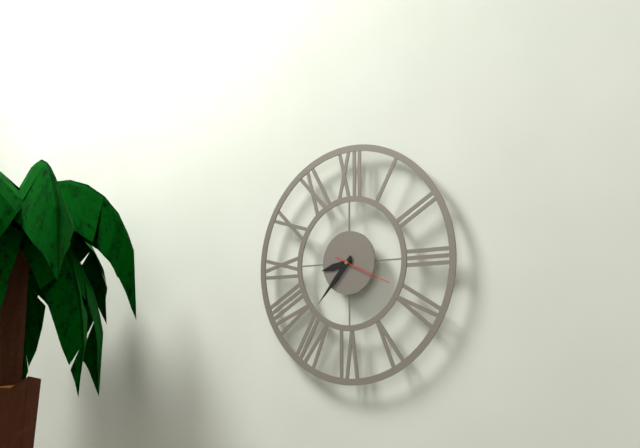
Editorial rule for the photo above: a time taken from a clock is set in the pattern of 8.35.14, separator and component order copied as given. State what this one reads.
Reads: 8.37.19
